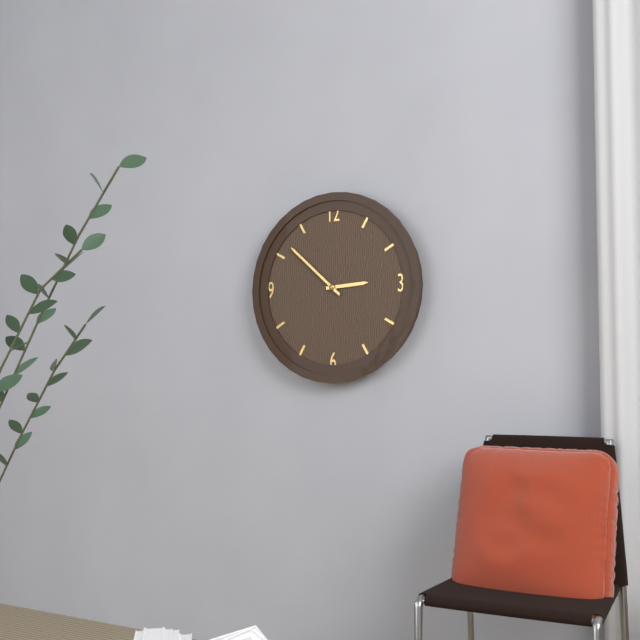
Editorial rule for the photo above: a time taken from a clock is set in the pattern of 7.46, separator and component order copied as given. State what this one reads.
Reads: 2.52
